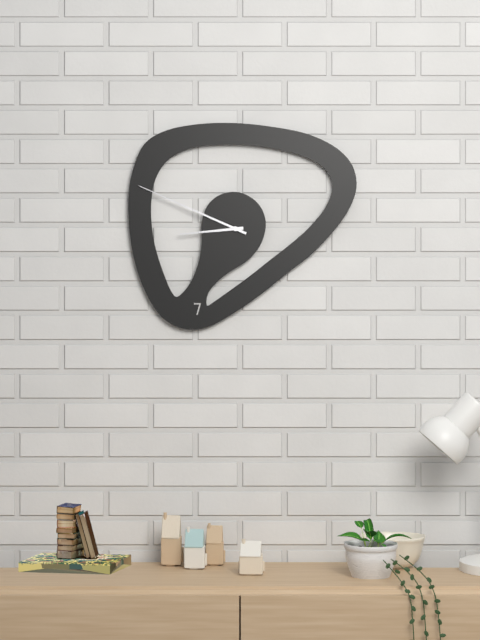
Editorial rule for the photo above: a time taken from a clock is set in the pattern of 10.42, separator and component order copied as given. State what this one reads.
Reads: 8.49
